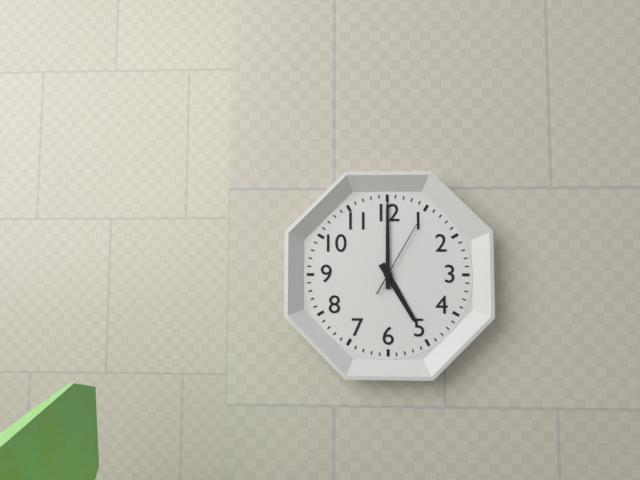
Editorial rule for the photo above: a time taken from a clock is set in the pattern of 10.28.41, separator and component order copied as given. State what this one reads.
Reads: 5.00.05
